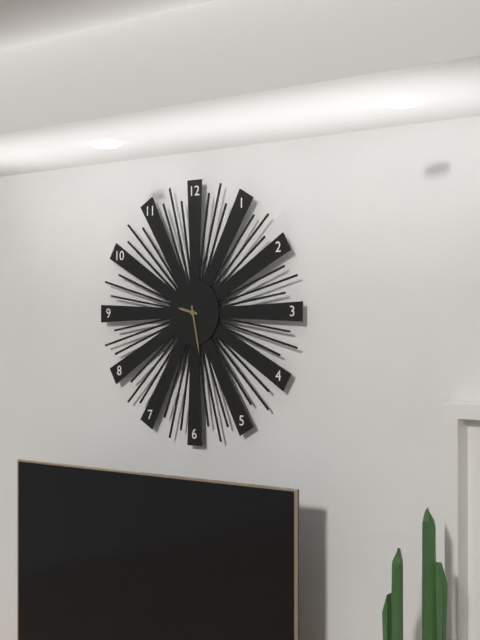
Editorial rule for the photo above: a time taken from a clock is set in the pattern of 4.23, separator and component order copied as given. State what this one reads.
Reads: 9.28
